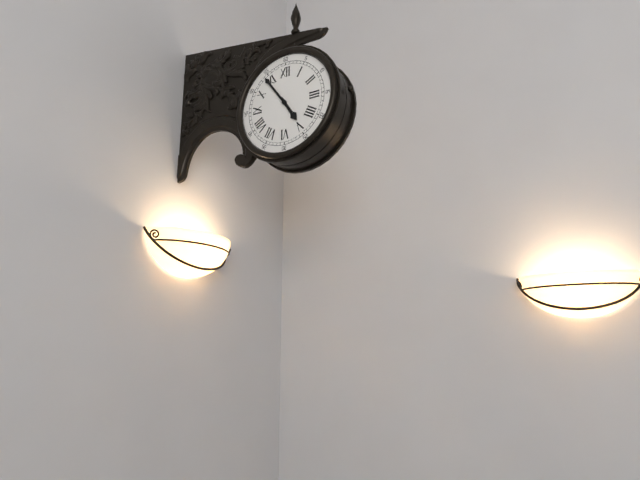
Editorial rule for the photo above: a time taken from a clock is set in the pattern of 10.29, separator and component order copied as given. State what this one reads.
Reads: 4.54
